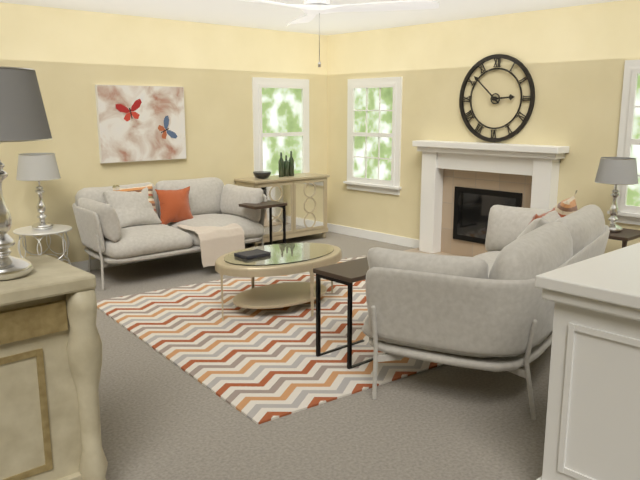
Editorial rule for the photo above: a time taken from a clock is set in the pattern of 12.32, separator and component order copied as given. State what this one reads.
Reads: 2.52
